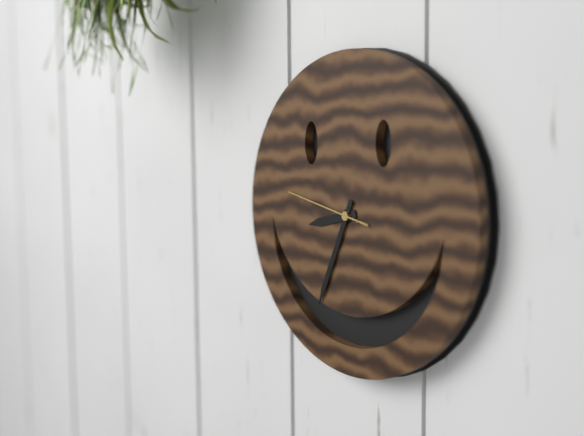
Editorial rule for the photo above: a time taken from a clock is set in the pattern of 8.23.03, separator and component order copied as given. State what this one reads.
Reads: 8.34.47
